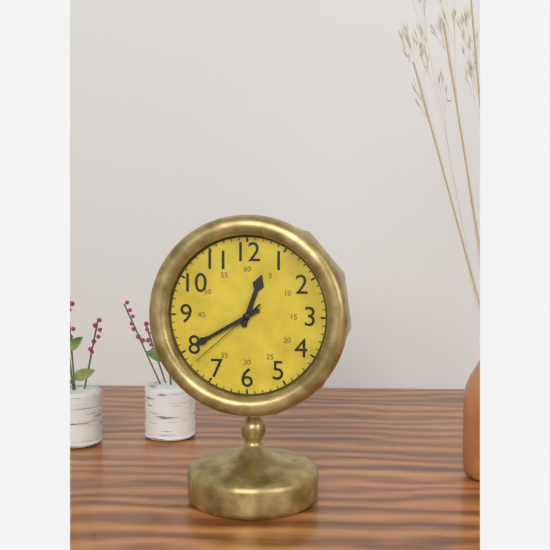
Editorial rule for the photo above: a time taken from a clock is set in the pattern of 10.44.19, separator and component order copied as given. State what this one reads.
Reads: 12.40.38
